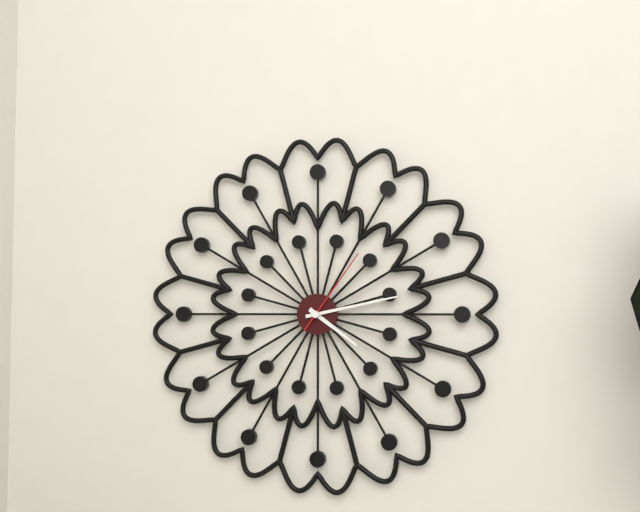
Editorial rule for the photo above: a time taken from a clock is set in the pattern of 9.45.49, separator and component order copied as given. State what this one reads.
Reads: 4.13.06
